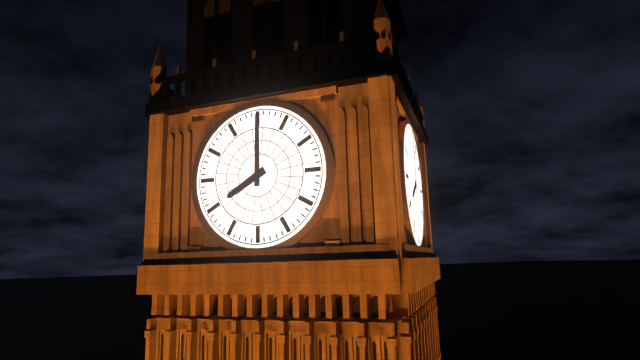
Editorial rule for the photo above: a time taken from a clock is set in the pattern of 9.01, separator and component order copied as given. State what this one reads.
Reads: 8.00
